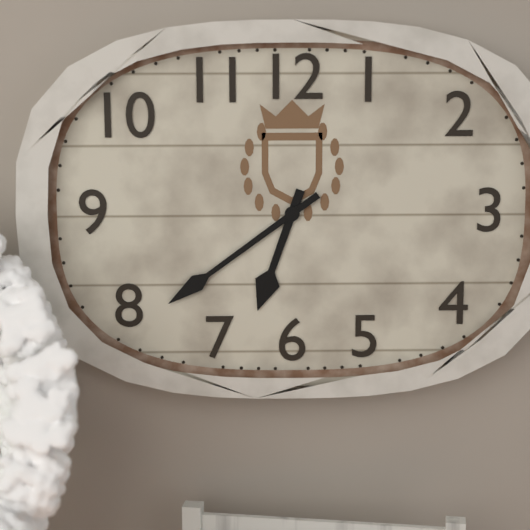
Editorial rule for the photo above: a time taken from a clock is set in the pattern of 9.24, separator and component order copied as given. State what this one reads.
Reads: 6.39
